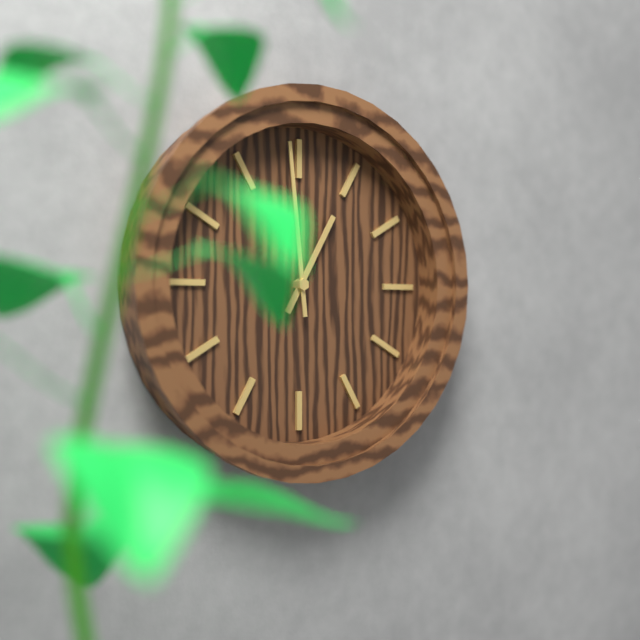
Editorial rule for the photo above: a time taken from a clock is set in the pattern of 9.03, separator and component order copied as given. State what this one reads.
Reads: 12.59
